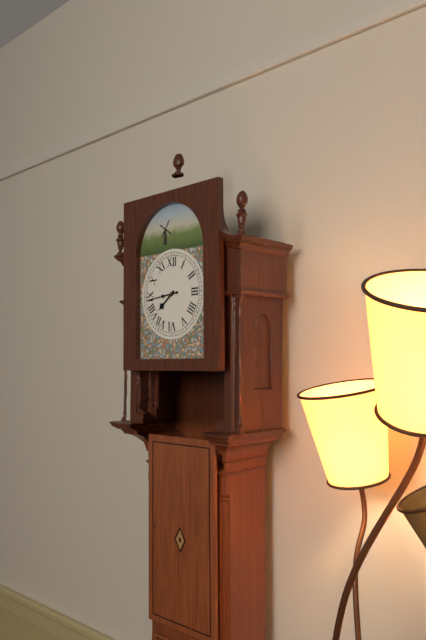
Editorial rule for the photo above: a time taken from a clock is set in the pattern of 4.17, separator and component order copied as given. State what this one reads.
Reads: 7.44
